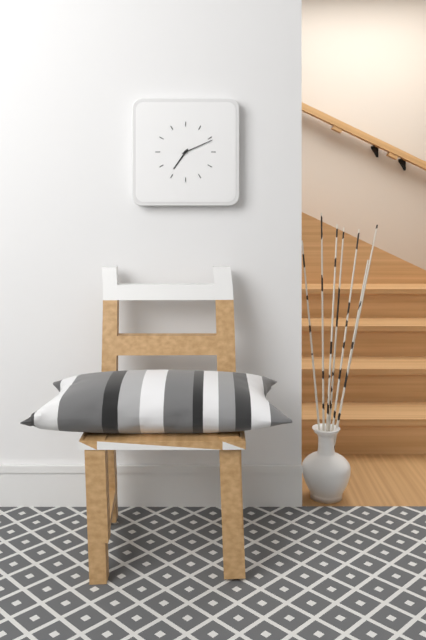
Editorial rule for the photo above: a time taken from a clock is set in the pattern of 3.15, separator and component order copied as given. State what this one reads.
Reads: 7.11
